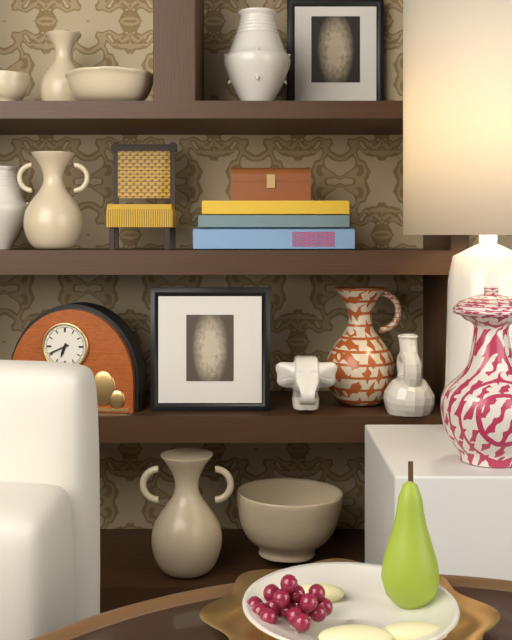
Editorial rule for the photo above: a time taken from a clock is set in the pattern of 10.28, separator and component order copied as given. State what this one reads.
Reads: 6.41
